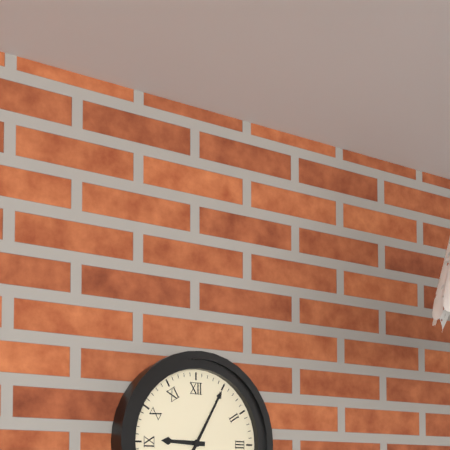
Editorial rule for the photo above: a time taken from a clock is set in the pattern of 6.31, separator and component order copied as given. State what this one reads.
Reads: 9.05
